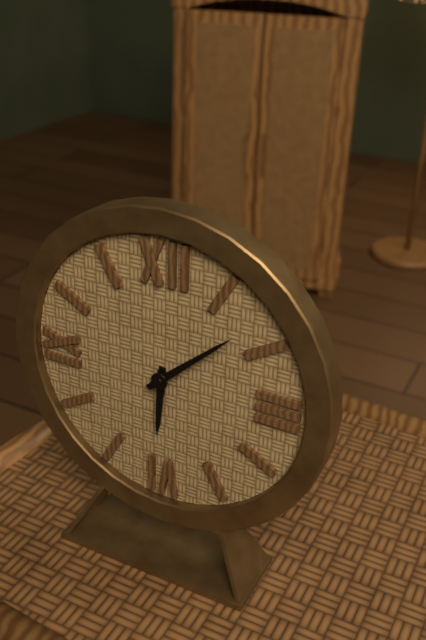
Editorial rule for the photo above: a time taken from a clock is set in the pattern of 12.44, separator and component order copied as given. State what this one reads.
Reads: 6.08
